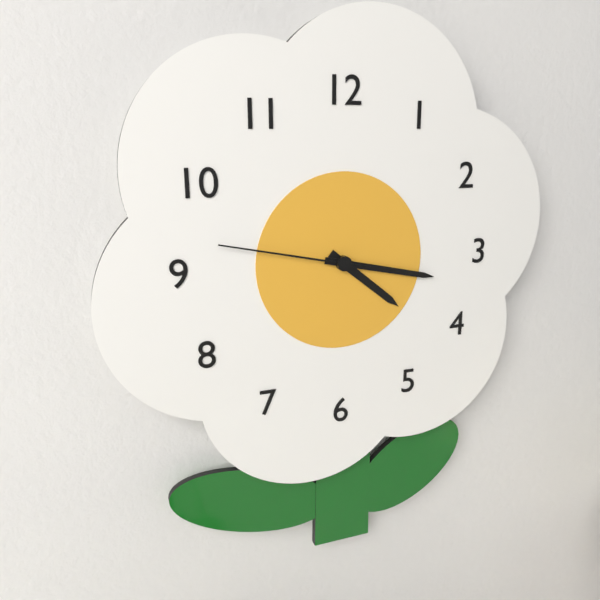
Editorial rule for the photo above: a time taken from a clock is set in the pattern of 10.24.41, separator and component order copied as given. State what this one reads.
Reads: 4.17.47
